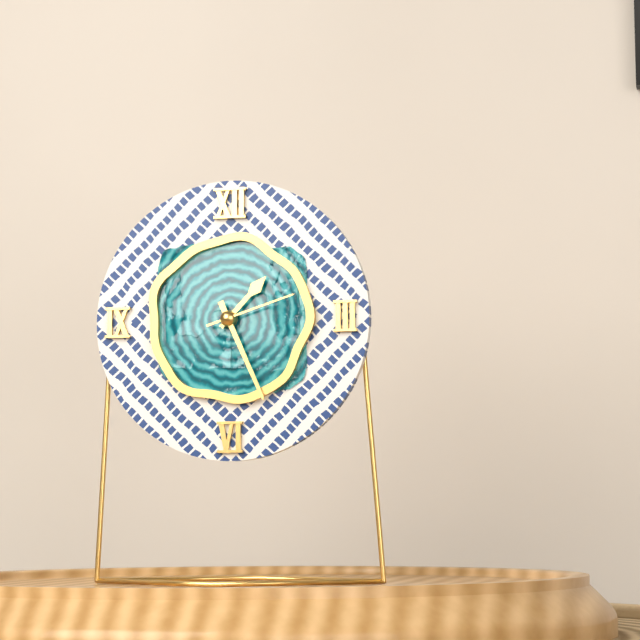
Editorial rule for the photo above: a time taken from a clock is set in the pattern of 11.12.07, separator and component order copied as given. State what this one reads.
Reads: 1.26.12
